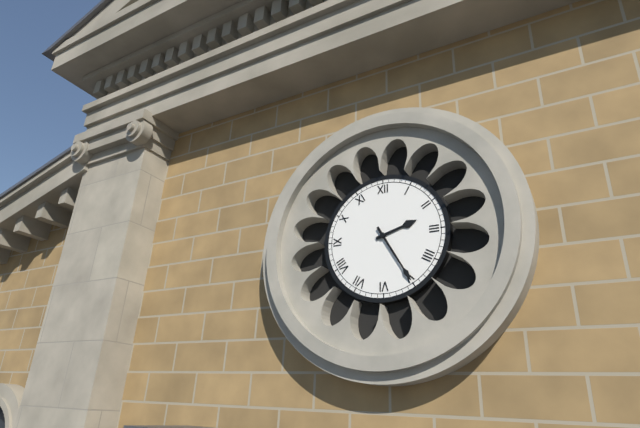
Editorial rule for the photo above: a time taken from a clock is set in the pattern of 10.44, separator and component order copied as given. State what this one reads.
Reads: 2.25
